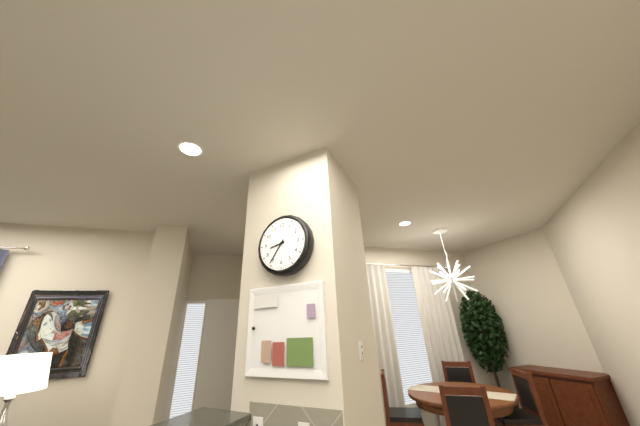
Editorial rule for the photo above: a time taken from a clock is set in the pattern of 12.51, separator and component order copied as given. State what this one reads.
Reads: 8.36
